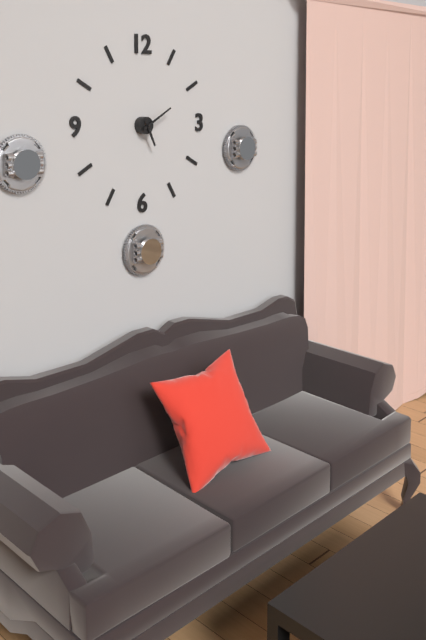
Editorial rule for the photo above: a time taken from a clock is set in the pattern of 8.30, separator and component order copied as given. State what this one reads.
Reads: 5.10
